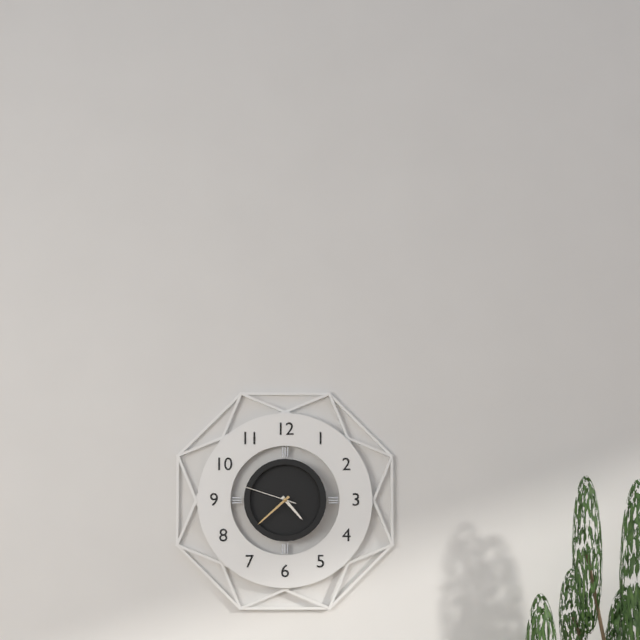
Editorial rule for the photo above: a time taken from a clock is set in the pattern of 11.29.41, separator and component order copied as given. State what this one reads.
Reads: 4.38.48
